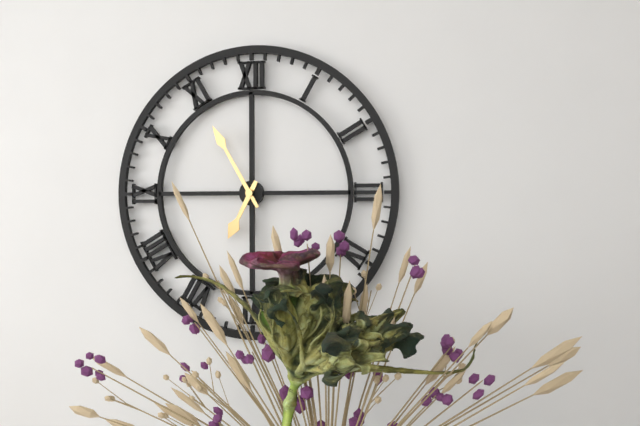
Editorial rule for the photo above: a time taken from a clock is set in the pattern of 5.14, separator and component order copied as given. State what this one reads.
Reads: 6.55
